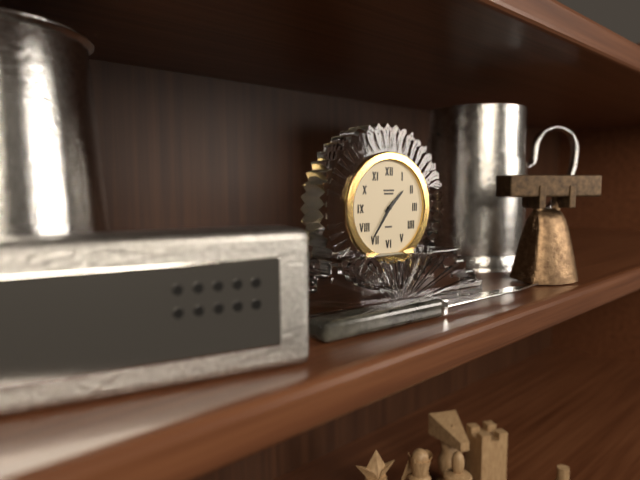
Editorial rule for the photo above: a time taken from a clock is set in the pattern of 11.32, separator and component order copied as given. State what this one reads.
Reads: 1.36
